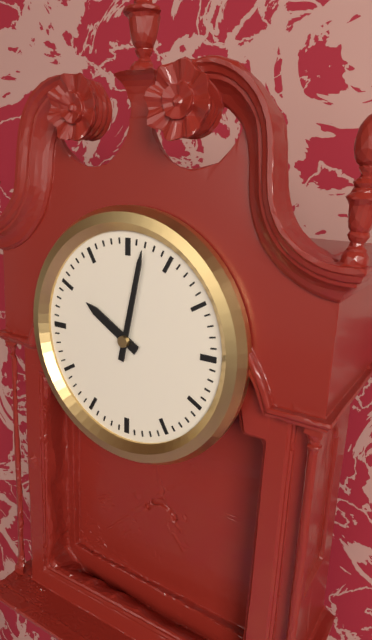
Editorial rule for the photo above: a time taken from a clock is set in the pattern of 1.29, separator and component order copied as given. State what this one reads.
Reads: 10.02
